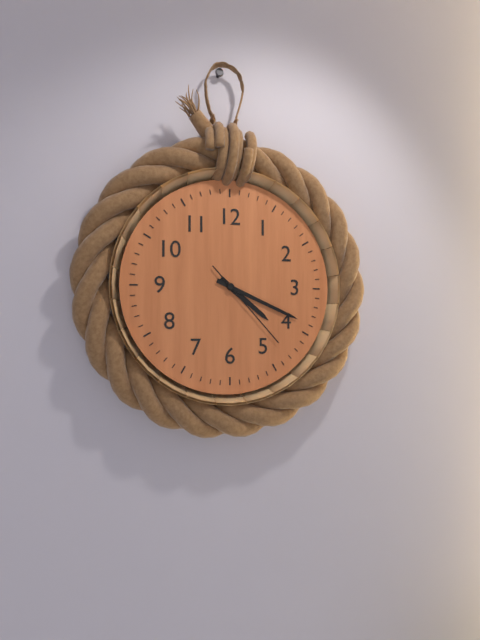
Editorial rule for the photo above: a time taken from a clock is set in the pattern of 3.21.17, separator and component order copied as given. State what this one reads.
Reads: 4.19.23
